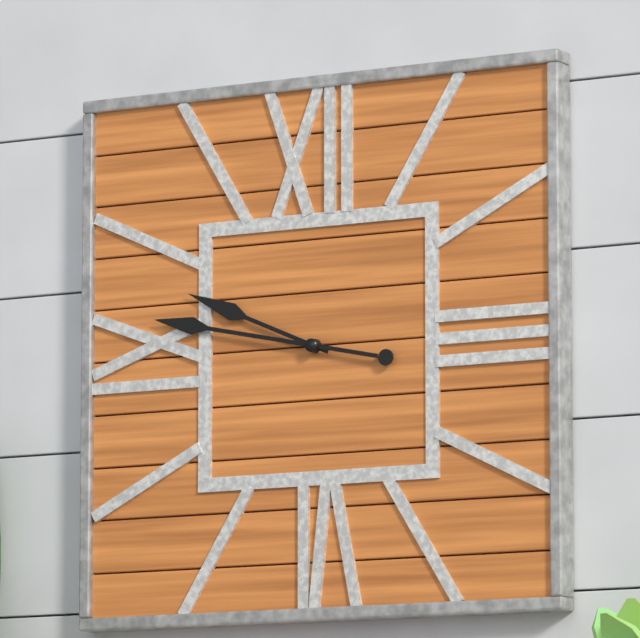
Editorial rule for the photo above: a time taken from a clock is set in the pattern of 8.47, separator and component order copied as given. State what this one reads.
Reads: 9.47
